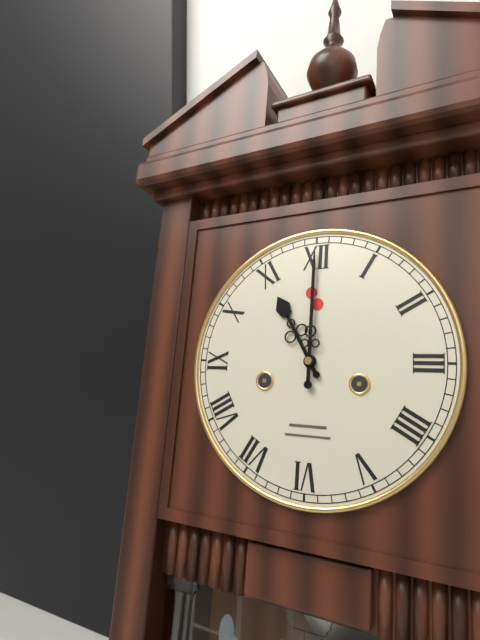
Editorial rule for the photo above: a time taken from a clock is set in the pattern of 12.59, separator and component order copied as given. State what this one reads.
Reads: 11.00
